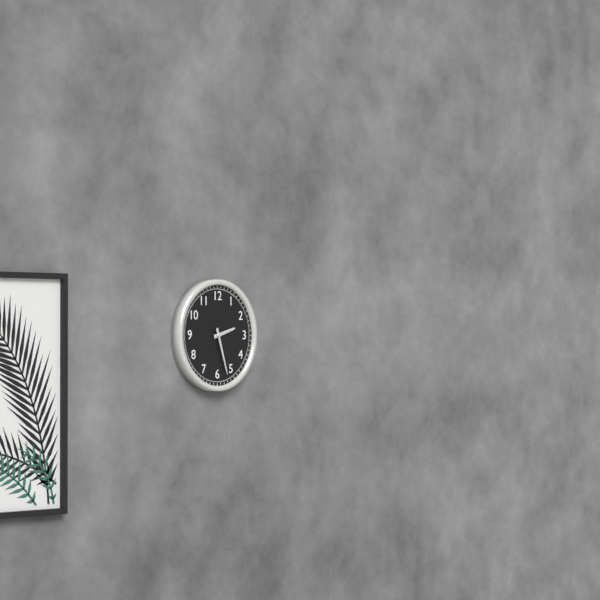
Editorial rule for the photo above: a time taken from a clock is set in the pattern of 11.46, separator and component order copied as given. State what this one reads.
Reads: 2.27
